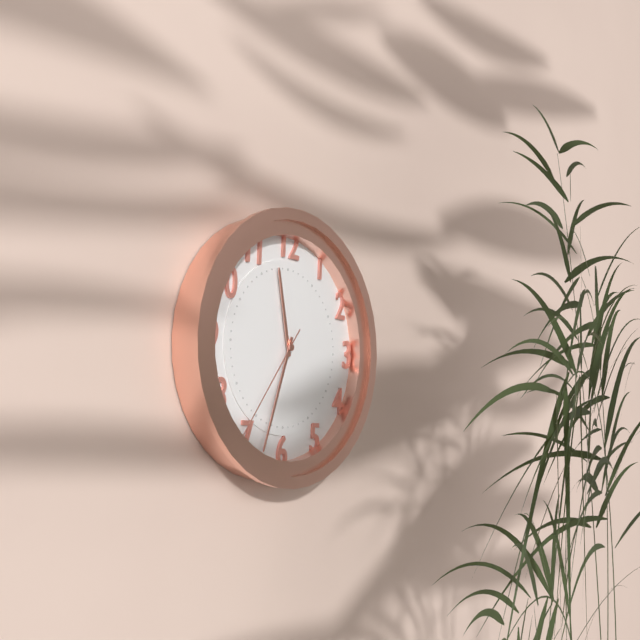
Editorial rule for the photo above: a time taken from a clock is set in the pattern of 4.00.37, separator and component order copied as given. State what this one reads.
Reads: 11.33.36
